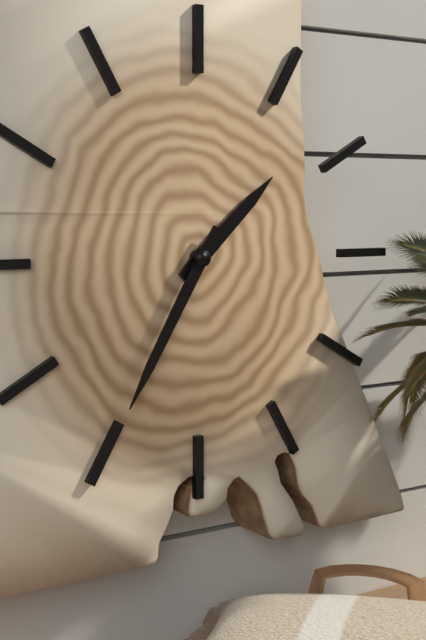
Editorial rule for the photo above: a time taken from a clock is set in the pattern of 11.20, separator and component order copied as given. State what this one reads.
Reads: 1.35
